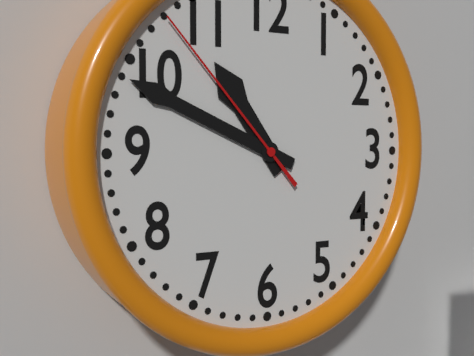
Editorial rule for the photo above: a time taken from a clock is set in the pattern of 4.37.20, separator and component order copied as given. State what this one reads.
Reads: 10.49.53
